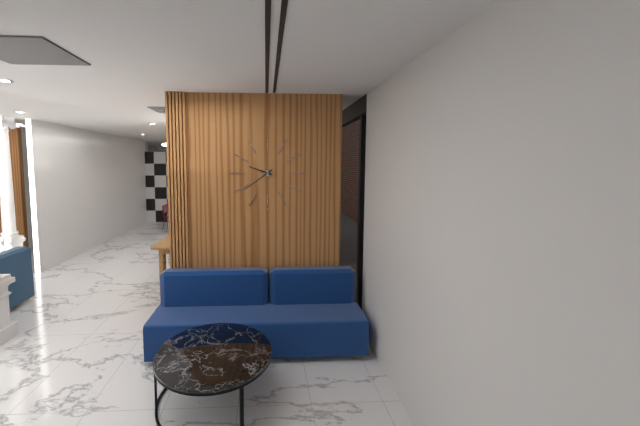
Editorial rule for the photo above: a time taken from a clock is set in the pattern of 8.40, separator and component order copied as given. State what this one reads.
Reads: 9.39
